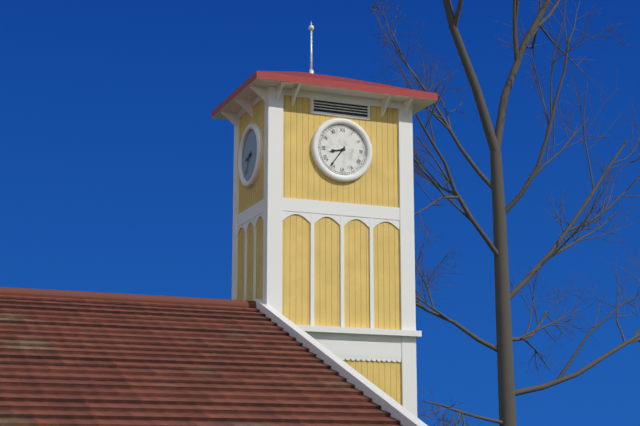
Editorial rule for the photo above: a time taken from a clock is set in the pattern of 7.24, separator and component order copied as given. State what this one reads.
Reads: 8.36
